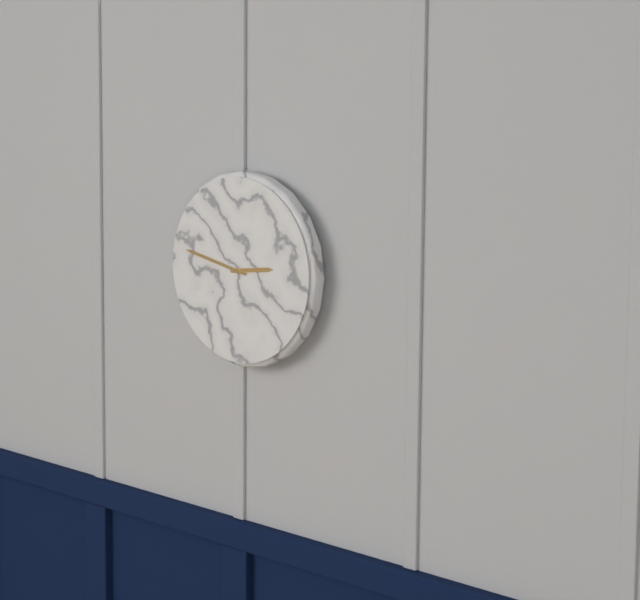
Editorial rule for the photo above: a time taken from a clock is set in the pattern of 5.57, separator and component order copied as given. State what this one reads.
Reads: 2.47
